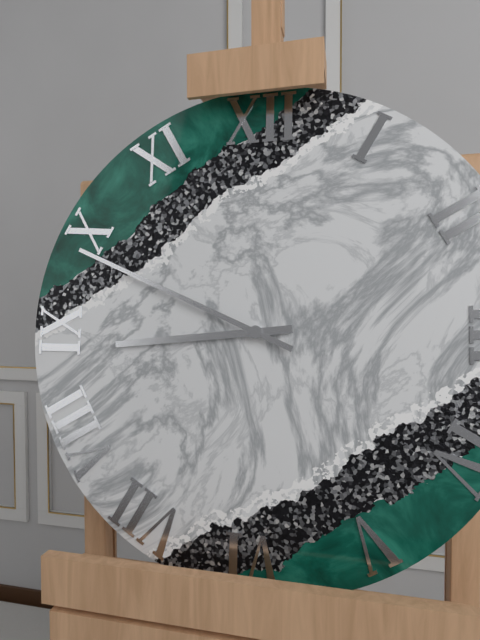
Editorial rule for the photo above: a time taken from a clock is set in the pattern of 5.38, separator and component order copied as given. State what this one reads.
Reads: 8.49
